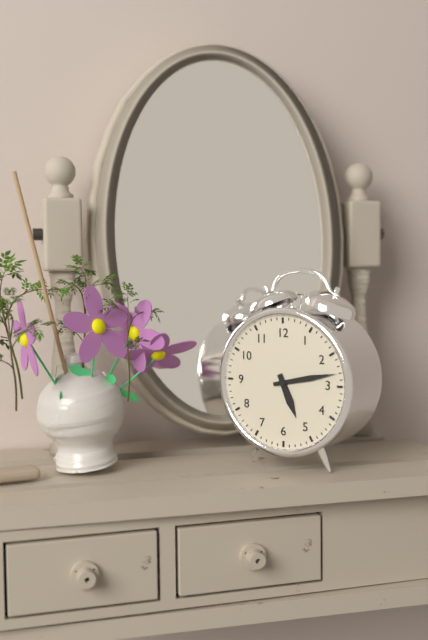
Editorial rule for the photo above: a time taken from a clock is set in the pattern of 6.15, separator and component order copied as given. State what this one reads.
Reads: 5.13
